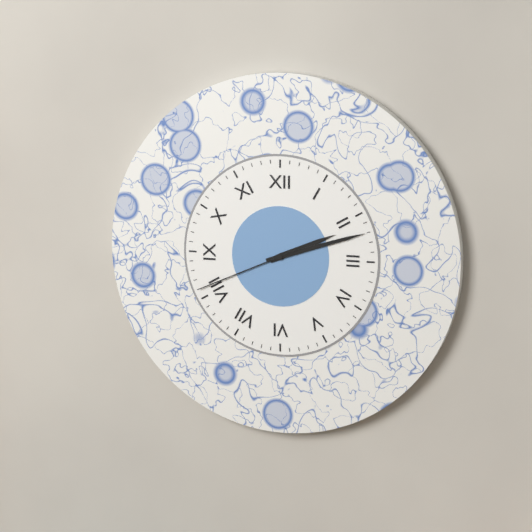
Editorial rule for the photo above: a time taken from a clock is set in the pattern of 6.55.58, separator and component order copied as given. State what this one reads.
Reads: 2.12.41
